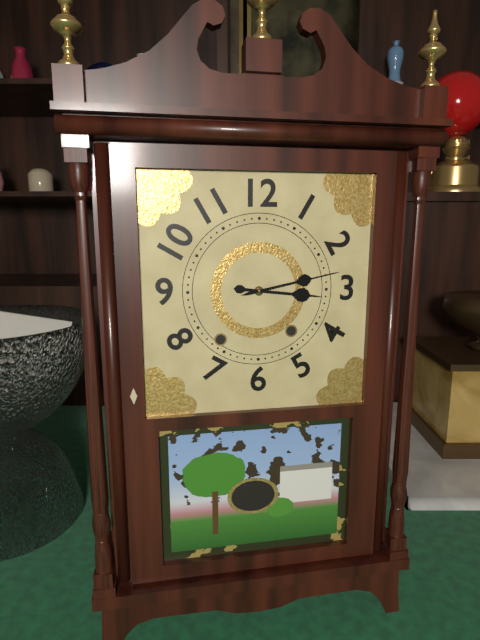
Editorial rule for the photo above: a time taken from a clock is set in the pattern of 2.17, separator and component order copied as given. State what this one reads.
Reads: 3.13
